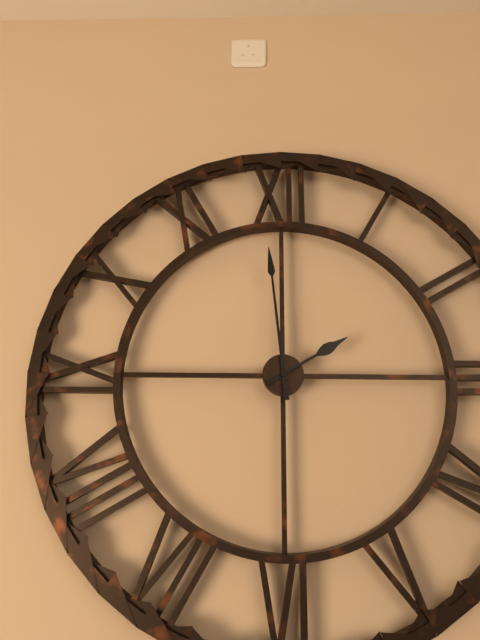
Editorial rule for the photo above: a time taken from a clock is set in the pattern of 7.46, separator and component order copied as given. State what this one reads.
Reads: 1.59
